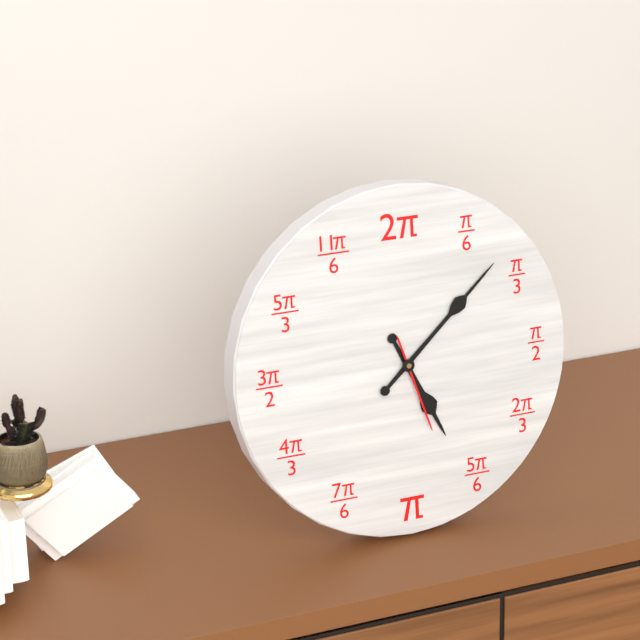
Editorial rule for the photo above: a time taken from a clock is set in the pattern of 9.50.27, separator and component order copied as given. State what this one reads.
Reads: 5.08.27
